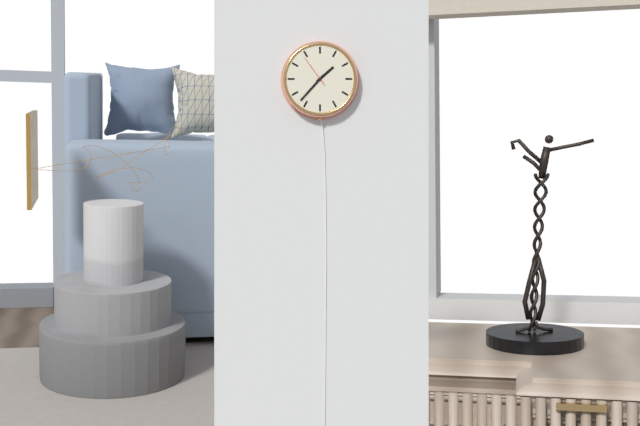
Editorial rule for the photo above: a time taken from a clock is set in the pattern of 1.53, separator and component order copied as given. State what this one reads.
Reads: 1.37
